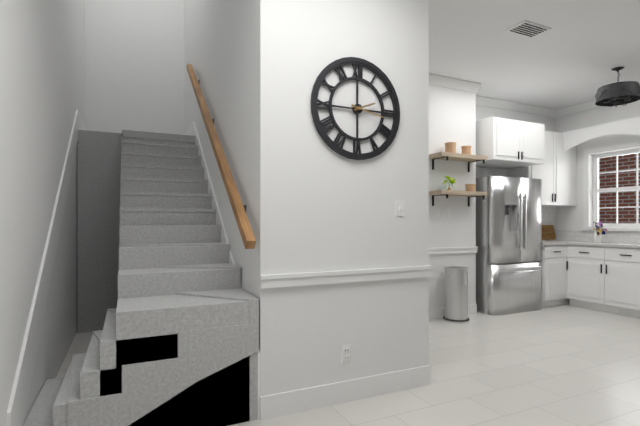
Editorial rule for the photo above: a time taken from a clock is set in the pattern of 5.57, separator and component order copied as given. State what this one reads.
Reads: 2.17
